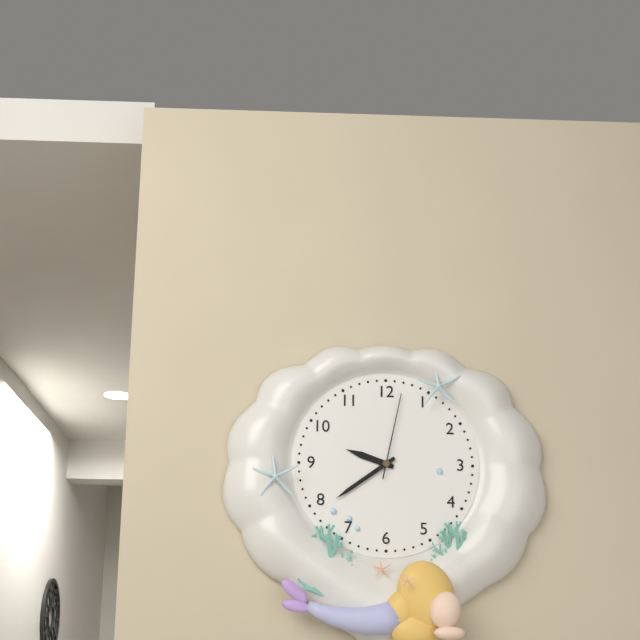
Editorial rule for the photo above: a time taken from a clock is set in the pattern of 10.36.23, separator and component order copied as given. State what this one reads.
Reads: 9.39.02
